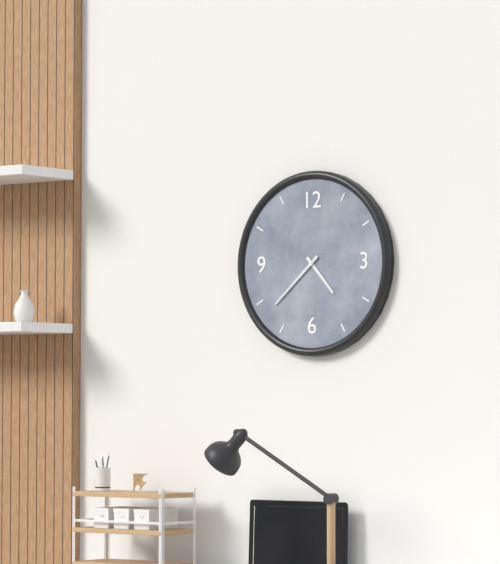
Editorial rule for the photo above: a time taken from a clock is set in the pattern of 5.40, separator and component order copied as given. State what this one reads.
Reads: 4.38
